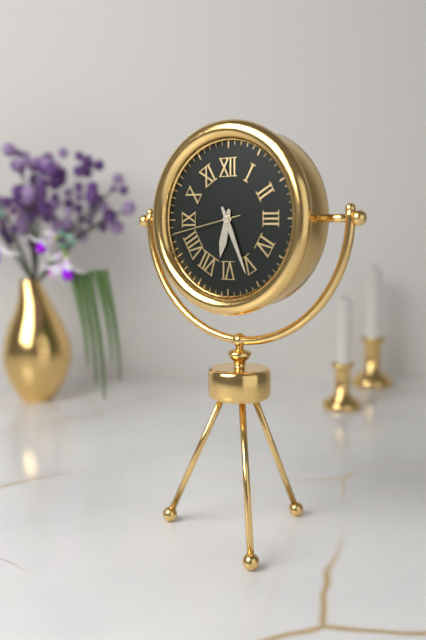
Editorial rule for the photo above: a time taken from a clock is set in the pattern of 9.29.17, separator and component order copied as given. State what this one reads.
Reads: 6.26.43
